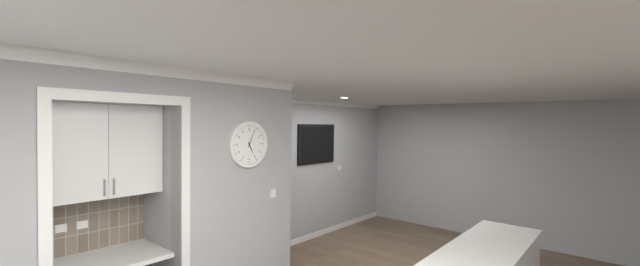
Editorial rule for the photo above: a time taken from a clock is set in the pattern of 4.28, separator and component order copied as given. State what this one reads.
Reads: 5.04
